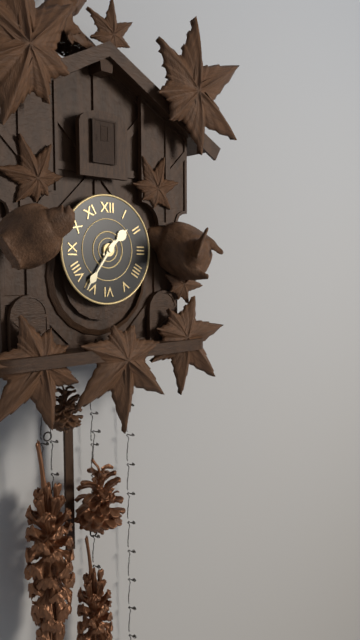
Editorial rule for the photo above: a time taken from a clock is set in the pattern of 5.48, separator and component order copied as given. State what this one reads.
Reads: 1.36
